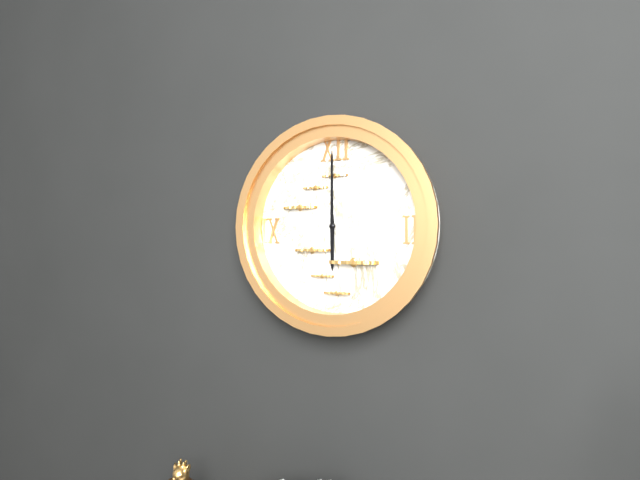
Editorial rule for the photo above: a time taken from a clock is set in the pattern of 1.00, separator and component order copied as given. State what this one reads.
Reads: 6.00
